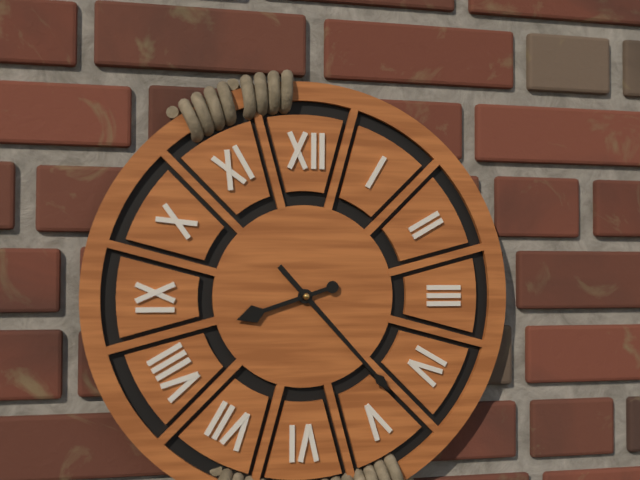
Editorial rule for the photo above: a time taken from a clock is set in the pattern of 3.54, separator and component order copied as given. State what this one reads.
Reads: 8.23
